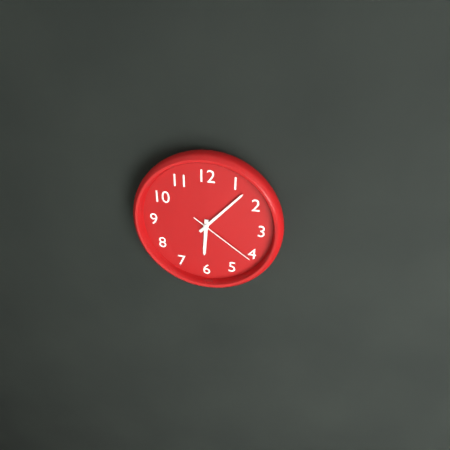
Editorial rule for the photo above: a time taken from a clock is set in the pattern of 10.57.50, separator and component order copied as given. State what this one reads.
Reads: 6.07.21
